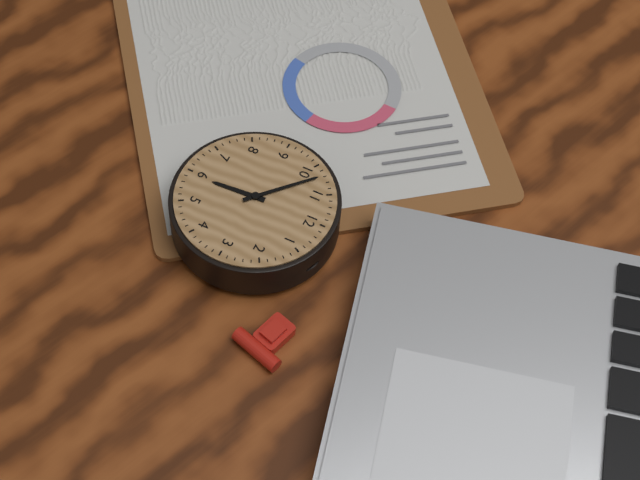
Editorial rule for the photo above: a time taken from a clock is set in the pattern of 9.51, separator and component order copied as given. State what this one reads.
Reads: 5.52
